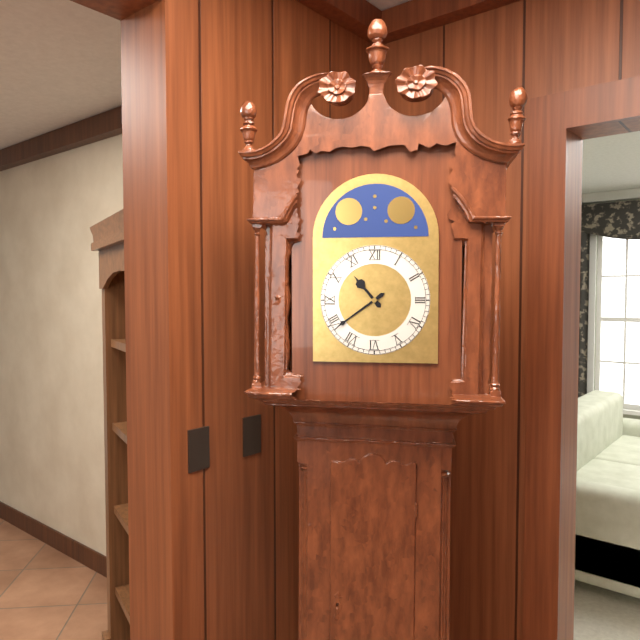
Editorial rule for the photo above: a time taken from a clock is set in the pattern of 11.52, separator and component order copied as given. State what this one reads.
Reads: 10.39
